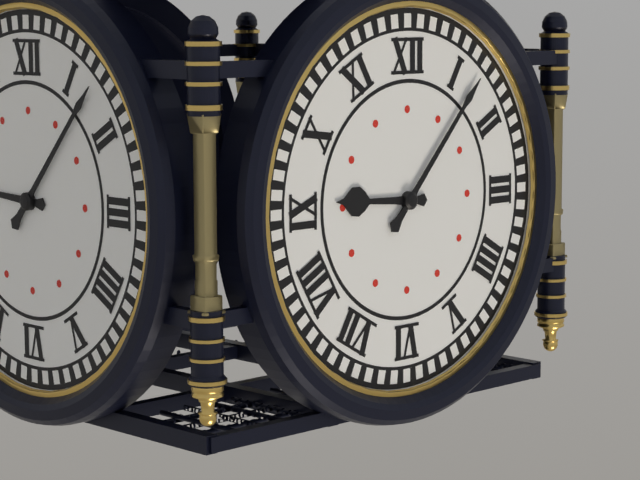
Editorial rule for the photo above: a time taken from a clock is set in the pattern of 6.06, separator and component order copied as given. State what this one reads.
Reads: 9.07
